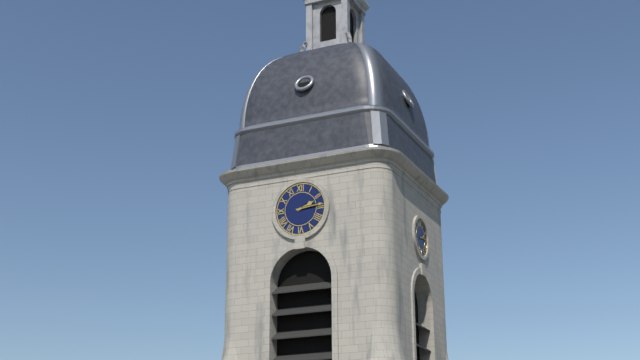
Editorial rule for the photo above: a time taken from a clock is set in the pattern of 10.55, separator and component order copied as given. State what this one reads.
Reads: 2.14
